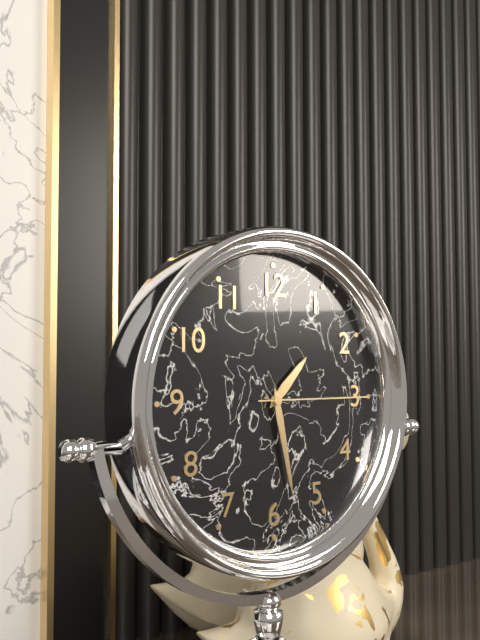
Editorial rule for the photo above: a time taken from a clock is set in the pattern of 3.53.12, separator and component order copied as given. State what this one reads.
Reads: 1.28.15
